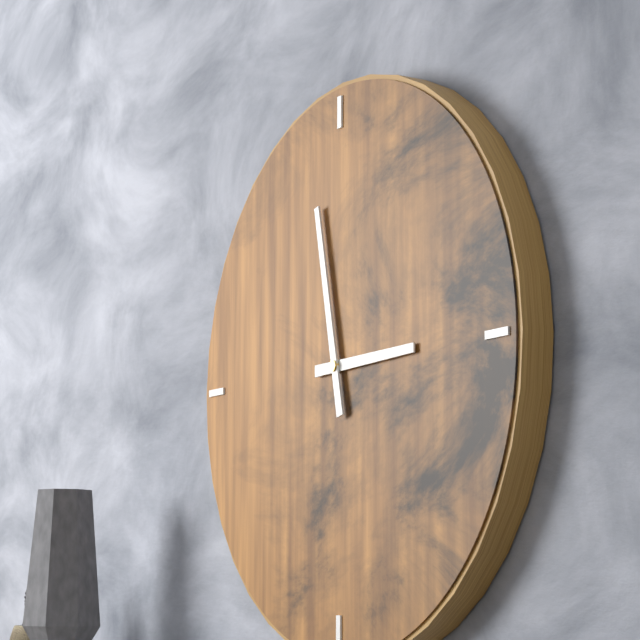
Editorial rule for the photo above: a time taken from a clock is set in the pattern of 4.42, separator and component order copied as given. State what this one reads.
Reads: 2.58
